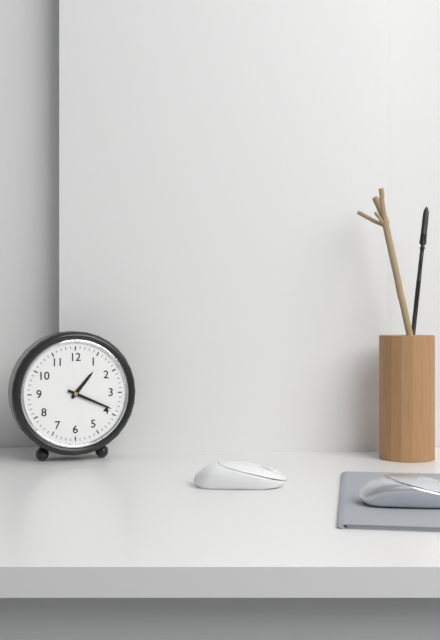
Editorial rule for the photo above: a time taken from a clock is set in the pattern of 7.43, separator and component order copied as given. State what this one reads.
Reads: 1.19
